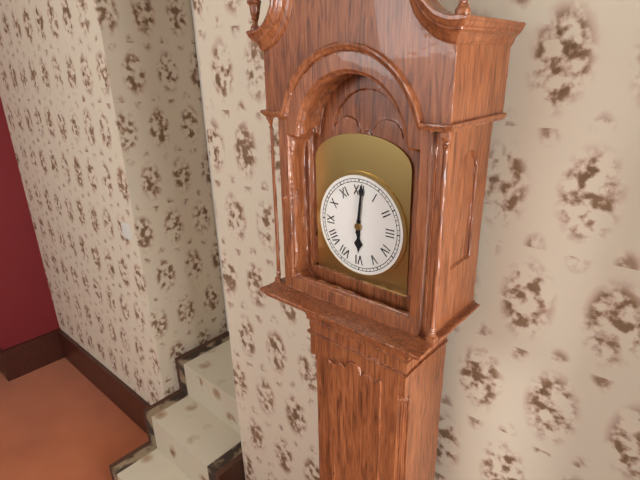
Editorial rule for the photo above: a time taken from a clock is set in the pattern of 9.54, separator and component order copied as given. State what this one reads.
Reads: 6.01
